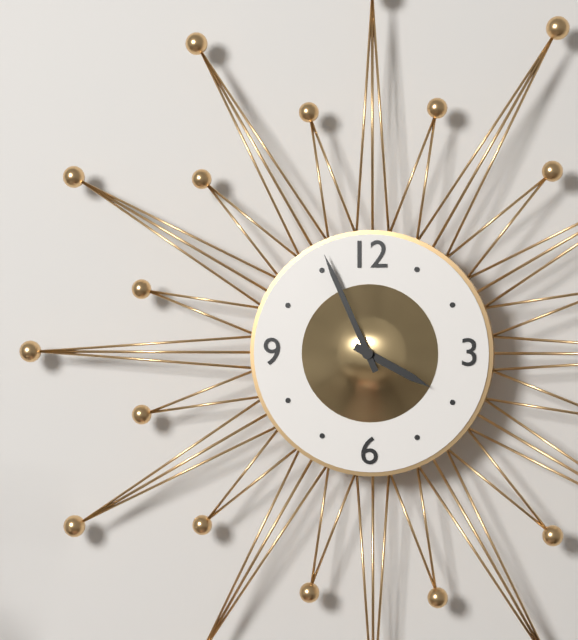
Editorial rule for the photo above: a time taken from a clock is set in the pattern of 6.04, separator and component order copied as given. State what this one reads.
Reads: 3.56
